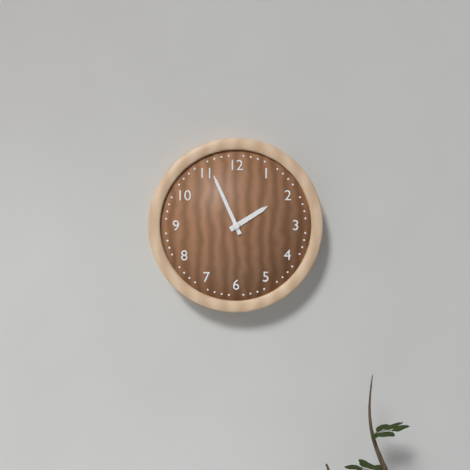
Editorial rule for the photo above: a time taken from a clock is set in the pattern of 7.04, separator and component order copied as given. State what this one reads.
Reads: 1.56
